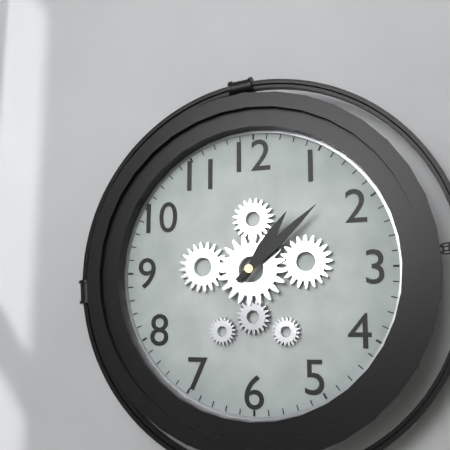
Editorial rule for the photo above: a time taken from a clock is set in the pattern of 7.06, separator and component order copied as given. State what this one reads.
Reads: 1.08
